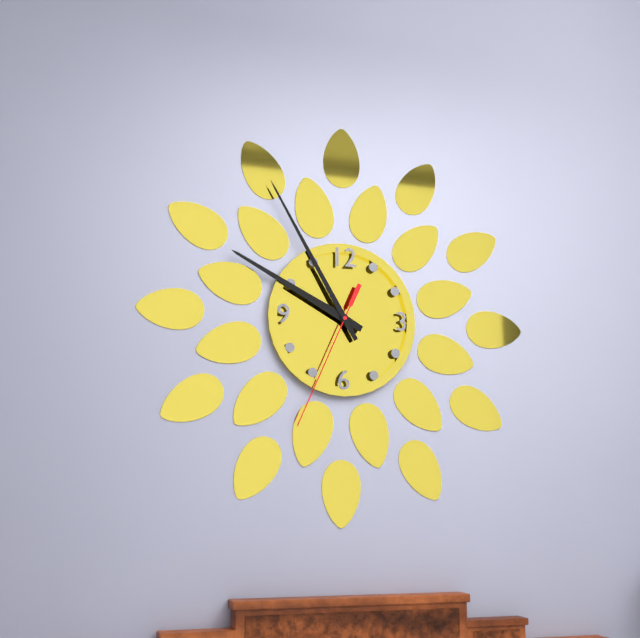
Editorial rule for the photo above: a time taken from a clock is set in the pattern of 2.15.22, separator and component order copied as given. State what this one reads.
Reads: 9.55.34
